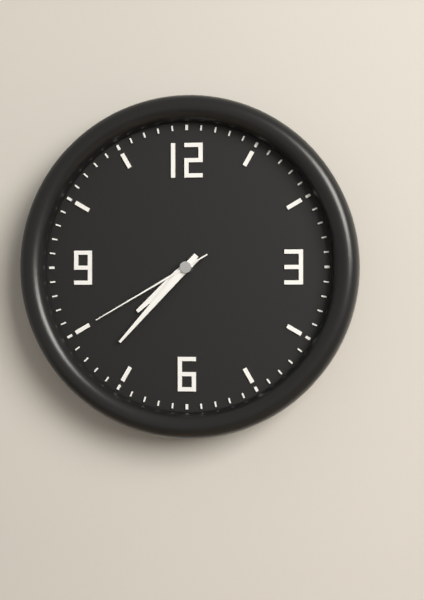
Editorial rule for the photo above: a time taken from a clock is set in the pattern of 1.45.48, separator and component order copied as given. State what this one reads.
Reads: 7.37.40
